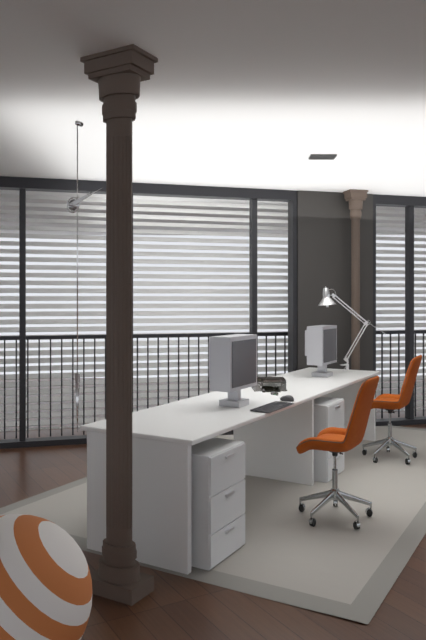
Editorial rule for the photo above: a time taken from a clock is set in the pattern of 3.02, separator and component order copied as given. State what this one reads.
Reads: 2.12
